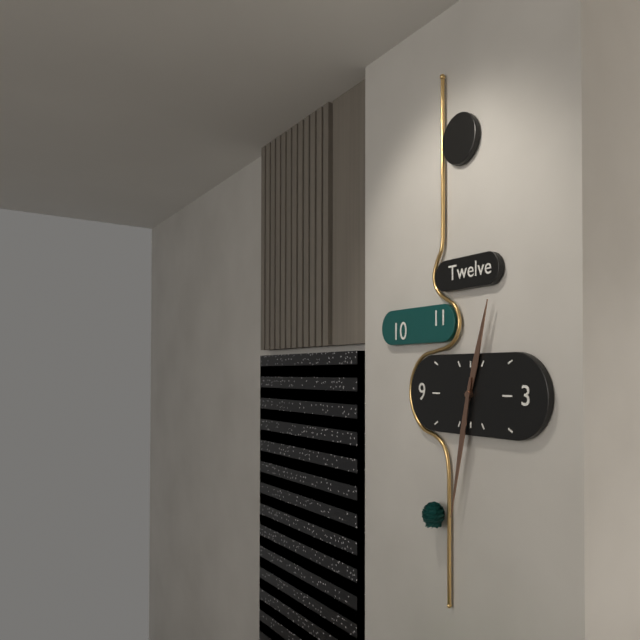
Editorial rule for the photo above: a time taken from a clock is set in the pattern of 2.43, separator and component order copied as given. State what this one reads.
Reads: 12.32
